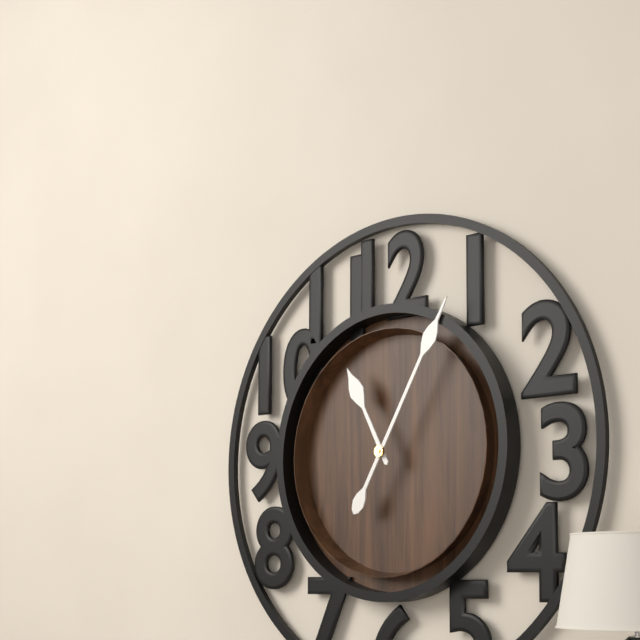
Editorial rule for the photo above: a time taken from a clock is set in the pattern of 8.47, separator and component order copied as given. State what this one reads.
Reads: 11.05
